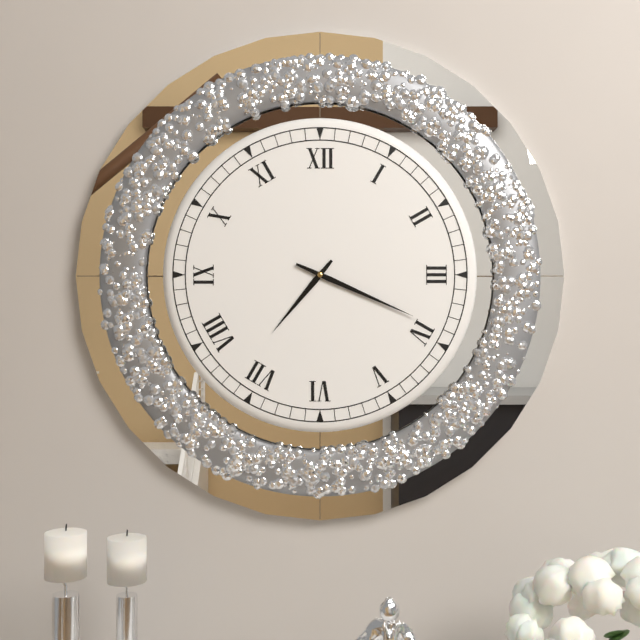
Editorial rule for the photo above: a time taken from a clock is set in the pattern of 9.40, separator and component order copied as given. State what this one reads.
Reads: 7.19
